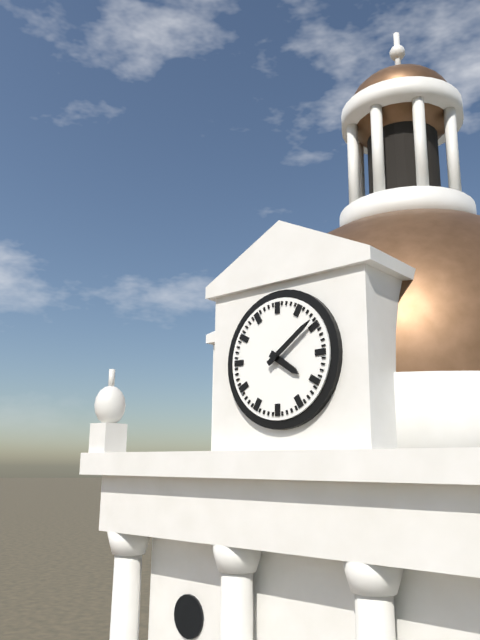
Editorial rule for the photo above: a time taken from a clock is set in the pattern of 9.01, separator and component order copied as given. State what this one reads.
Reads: 4.09
